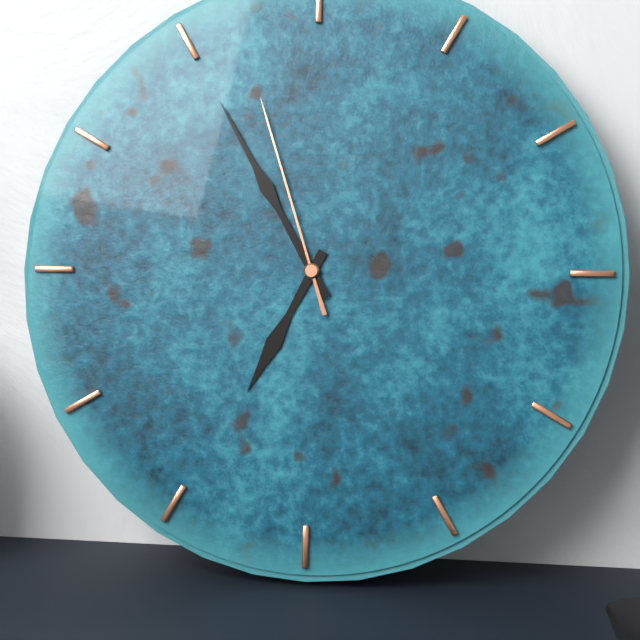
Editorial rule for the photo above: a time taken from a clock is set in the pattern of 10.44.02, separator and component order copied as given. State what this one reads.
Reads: 6.55.57
